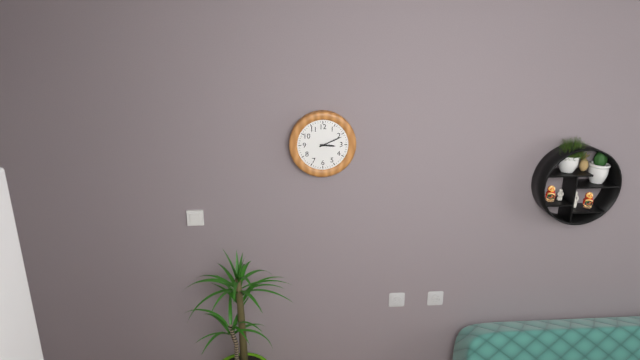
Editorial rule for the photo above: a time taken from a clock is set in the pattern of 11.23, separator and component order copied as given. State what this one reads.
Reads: 3.11
